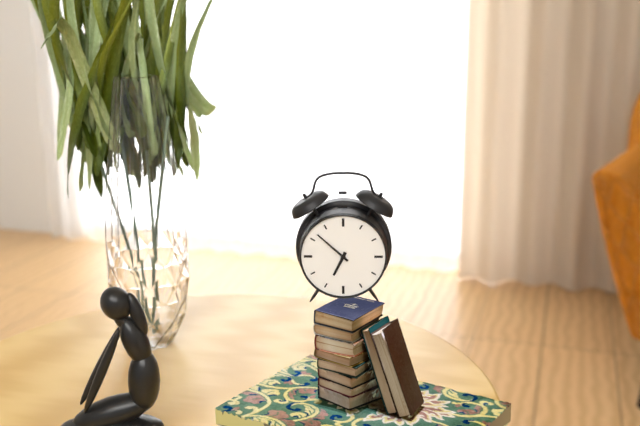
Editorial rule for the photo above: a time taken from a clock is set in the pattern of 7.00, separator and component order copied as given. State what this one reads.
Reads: 6.52
